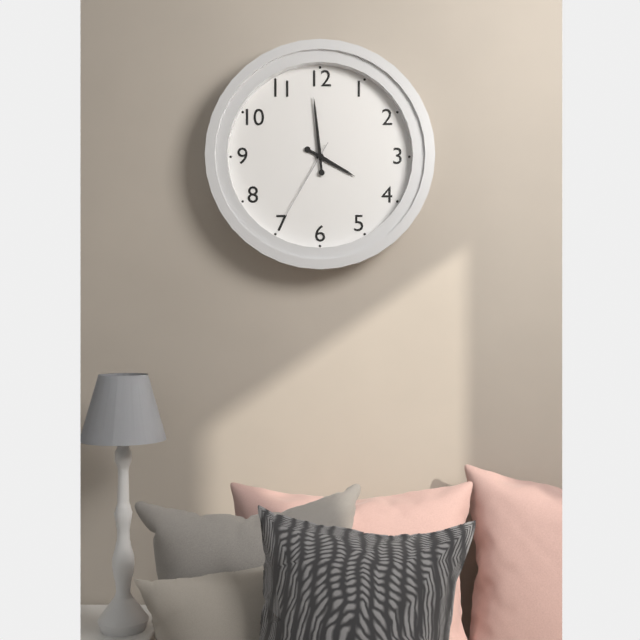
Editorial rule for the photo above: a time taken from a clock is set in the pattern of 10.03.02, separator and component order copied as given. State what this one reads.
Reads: 3.59.35
